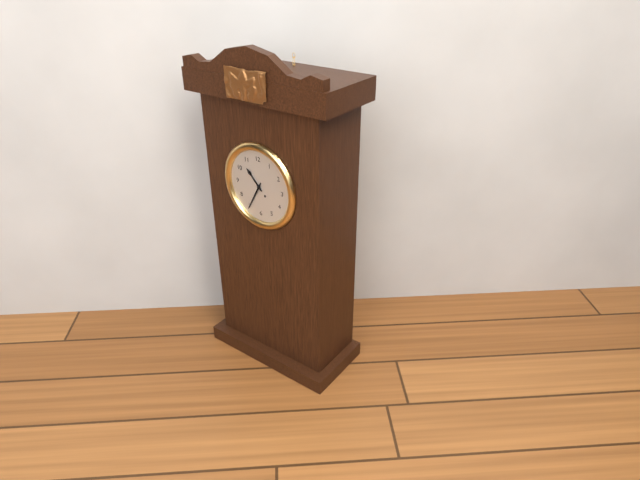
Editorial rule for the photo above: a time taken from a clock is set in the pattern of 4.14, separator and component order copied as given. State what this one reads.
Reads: 10.35
